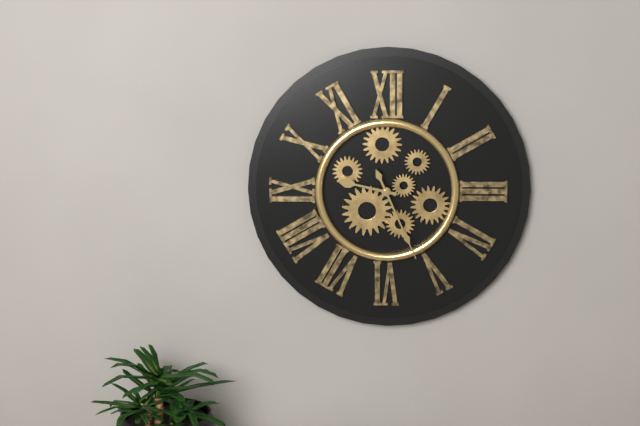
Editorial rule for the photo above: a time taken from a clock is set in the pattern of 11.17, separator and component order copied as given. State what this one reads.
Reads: 9.26
